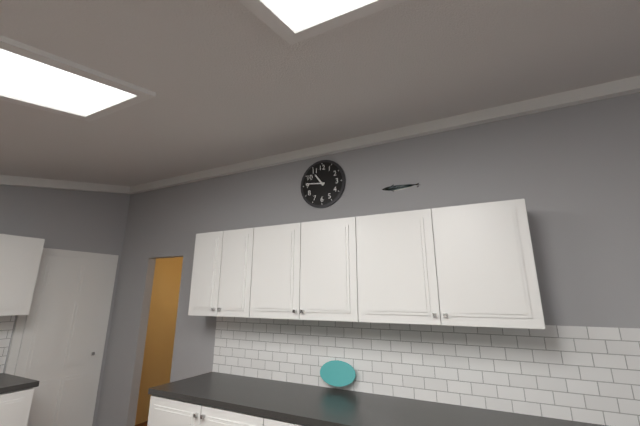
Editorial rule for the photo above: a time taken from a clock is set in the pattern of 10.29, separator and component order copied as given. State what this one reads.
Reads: 10.46
